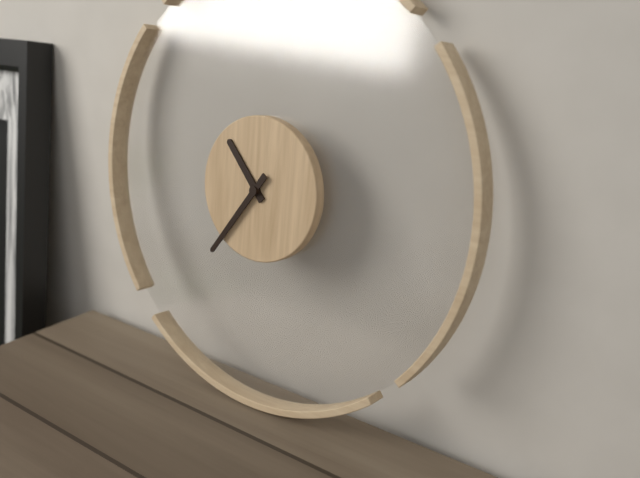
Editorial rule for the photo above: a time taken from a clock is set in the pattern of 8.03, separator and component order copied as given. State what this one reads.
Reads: 10.36
